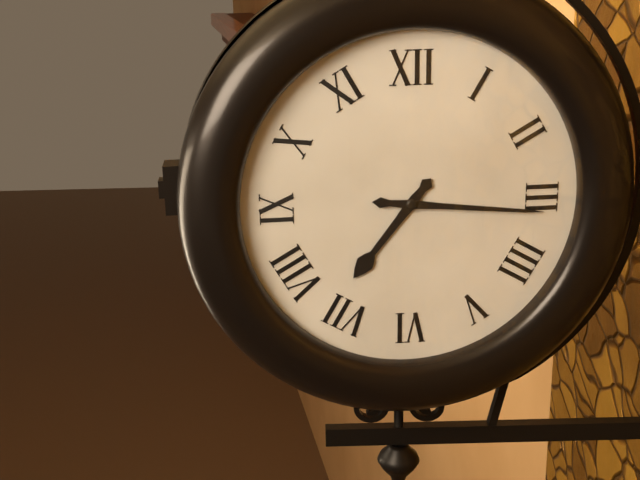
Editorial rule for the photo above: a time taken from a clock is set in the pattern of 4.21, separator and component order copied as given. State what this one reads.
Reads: 7.16
